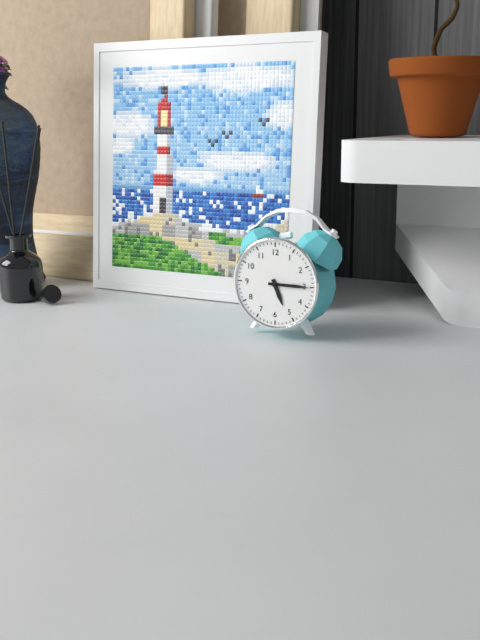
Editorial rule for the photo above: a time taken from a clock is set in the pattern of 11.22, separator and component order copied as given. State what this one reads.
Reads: 5.15
